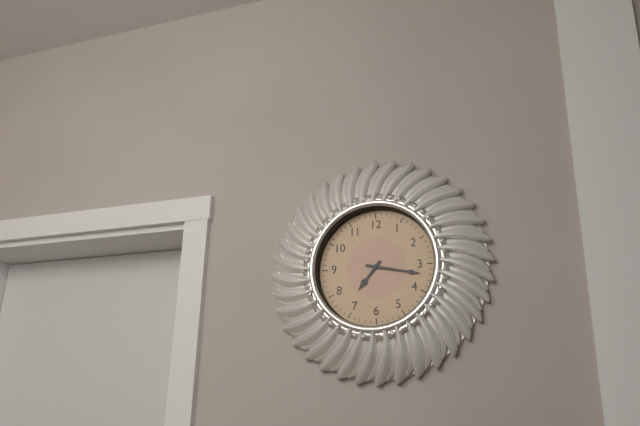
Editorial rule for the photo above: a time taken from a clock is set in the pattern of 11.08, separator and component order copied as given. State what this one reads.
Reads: 7.17
